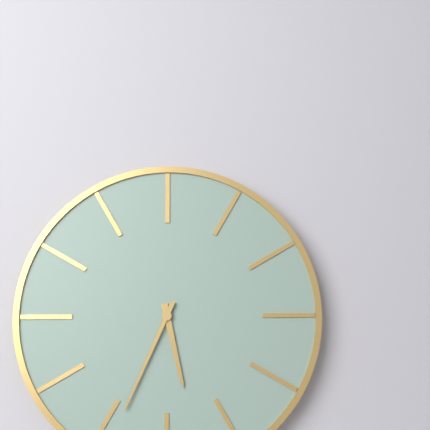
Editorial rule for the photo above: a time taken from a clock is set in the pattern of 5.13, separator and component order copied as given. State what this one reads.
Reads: 5.34
